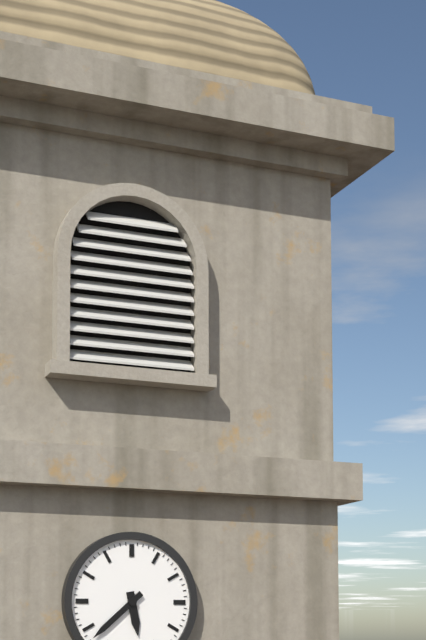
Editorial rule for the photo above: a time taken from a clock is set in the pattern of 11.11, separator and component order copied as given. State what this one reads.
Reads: 5.38
